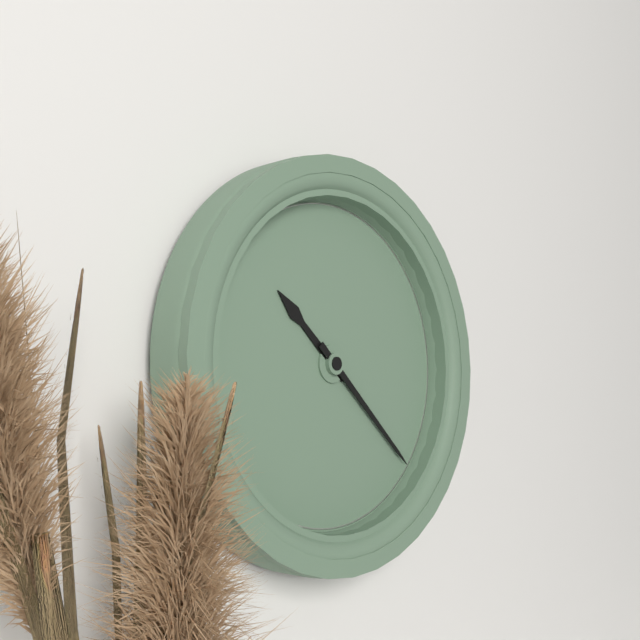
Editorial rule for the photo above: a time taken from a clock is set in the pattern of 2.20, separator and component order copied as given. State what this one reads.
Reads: 10.22
